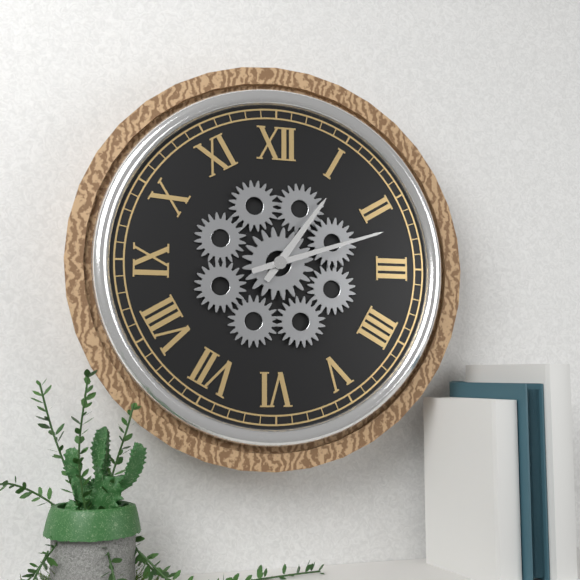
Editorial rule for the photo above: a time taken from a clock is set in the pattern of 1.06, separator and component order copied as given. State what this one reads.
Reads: 1.12
